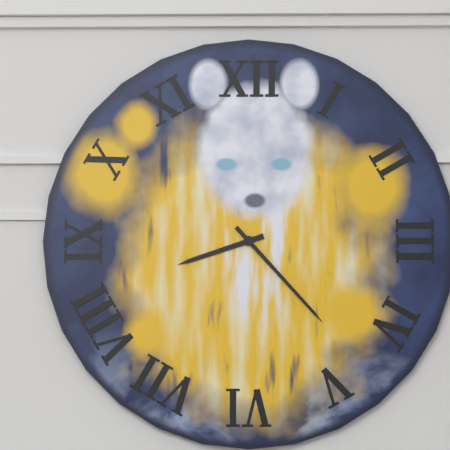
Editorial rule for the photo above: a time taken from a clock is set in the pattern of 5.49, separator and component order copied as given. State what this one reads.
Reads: 8.23
